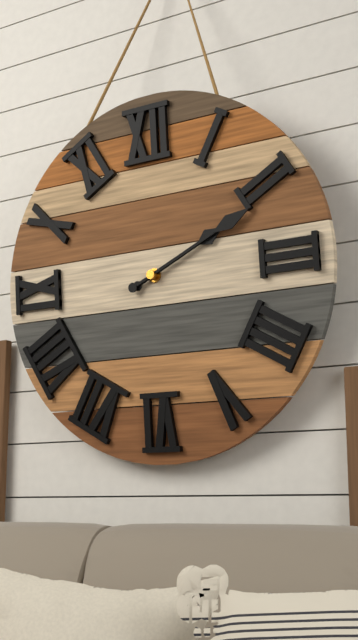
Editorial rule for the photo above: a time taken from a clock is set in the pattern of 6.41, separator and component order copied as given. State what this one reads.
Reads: 2.11
